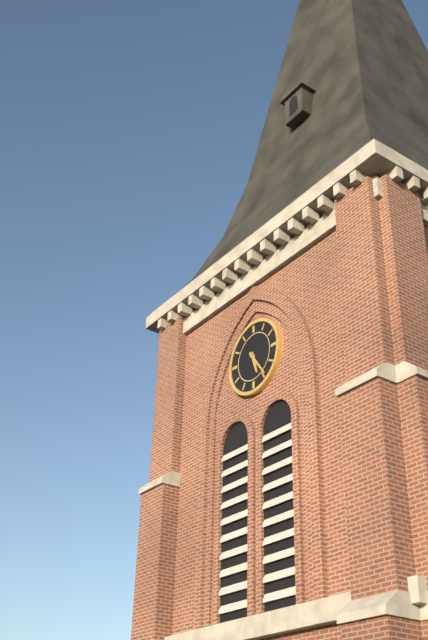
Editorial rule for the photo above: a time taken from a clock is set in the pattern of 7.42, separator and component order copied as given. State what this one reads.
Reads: 5.24
